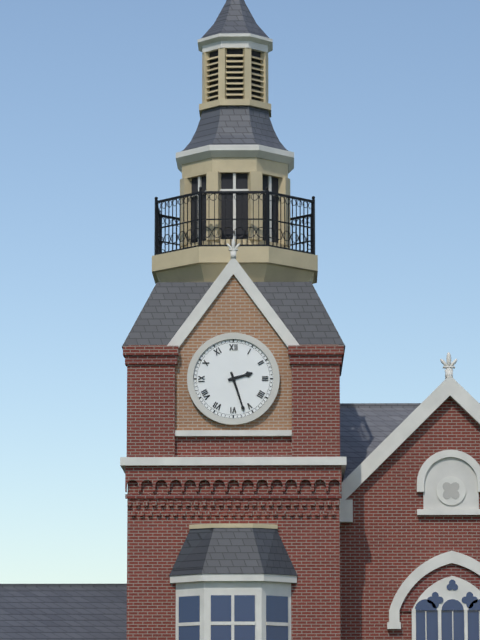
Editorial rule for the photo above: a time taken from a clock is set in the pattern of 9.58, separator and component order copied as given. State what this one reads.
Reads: 2.27
